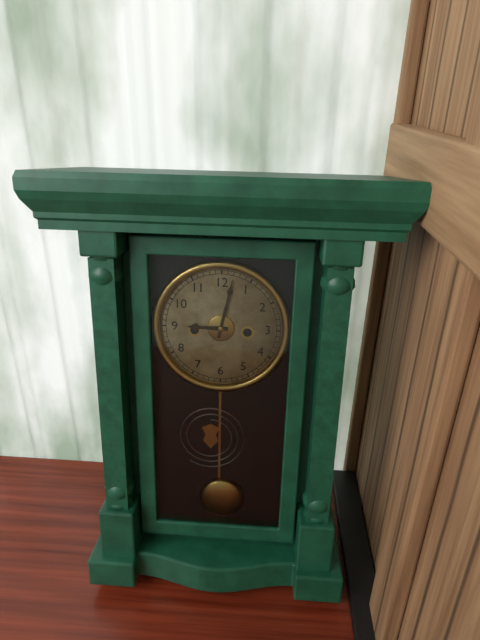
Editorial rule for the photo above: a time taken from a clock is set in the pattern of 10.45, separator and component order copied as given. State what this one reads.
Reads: 9.02
